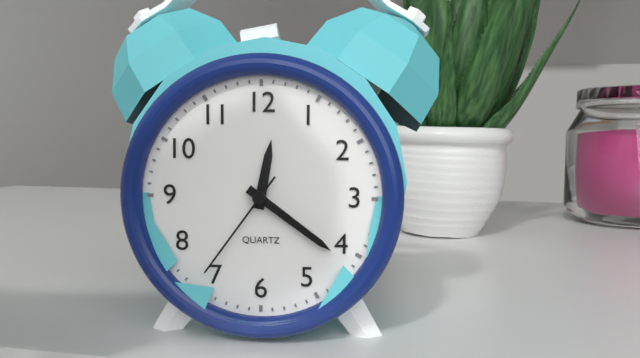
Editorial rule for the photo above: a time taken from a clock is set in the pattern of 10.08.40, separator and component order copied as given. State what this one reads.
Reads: 12.21.36
